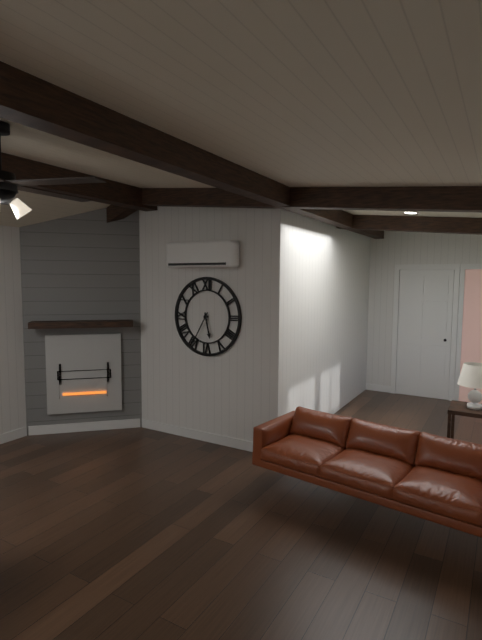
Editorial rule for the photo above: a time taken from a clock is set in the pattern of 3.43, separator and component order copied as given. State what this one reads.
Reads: 5.35
